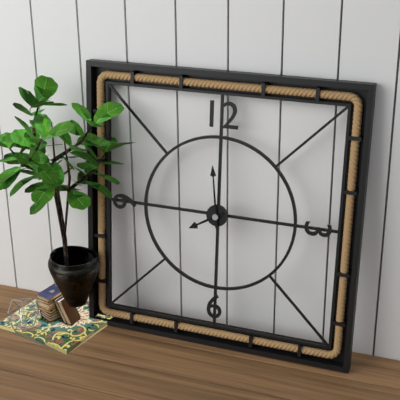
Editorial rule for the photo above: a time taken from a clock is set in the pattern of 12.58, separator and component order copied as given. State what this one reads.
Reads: 7.59
